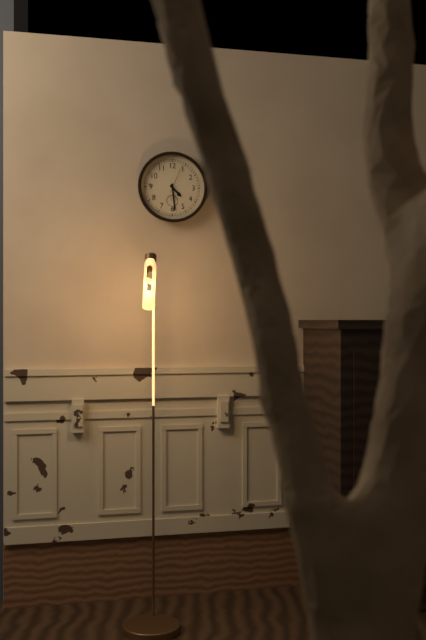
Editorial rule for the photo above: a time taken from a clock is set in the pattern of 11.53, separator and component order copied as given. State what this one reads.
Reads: 4.29
